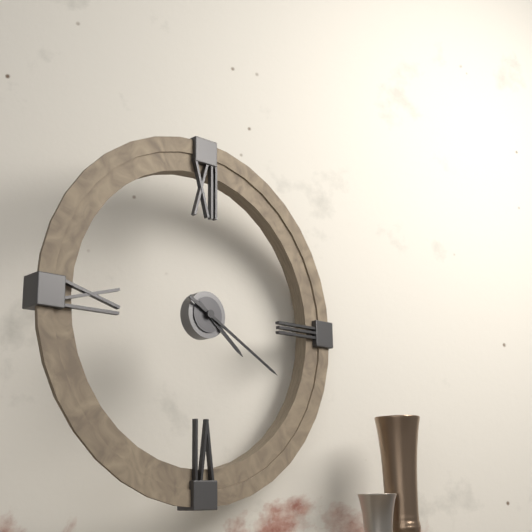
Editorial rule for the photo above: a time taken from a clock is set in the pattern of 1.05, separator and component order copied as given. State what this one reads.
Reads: 4.20
